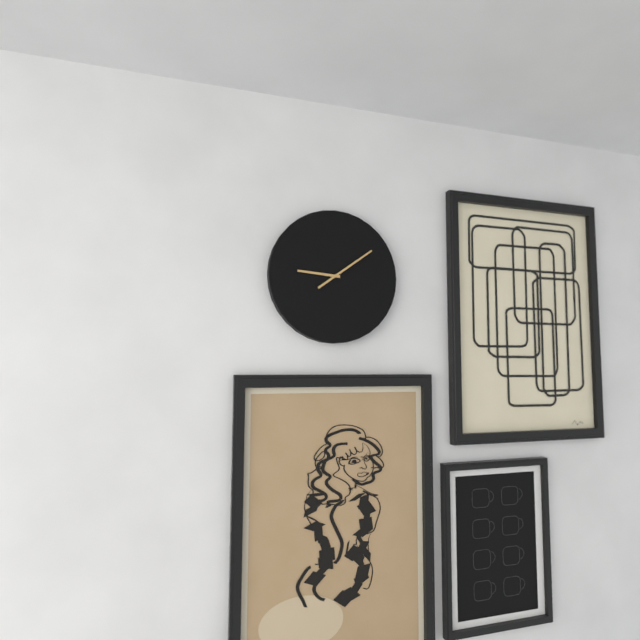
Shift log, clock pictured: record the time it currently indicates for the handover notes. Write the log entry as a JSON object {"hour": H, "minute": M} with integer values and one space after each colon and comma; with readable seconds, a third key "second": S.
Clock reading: {"hour": 9, "minute": 9}
